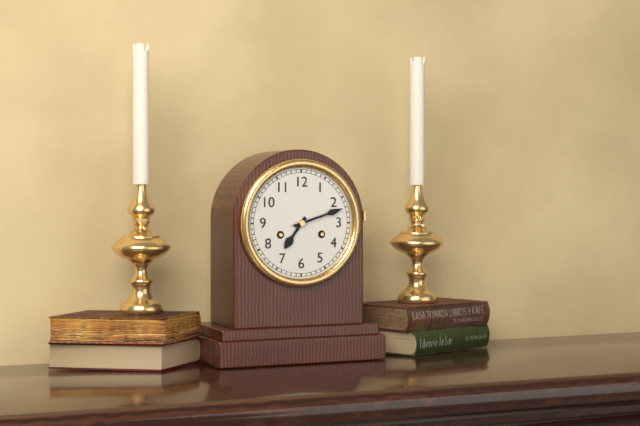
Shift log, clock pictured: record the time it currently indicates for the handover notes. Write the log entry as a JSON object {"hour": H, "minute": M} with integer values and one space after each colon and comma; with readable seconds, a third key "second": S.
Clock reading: {"hour": 7, "minute": 12}
